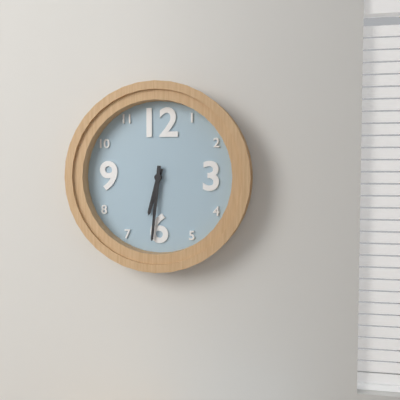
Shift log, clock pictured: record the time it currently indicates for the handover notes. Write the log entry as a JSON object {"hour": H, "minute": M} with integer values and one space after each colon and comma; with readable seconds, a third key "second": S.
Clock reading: {"hour": 6, "minute": 31}
